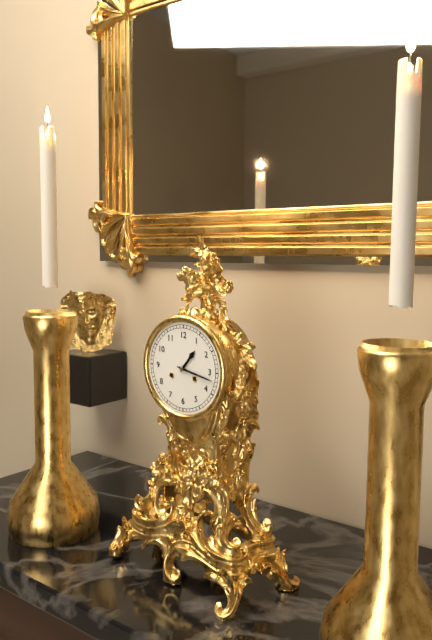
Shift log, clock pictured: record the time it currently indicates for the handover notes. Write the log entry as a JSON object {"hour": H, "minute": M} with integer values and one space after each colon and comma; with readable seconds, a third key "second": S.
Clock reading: {"hour": 1, "minute": 17}
